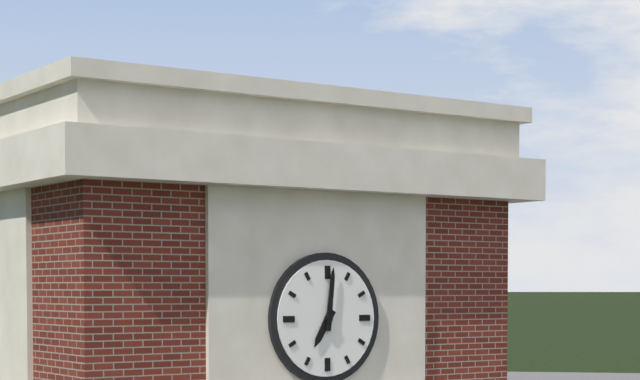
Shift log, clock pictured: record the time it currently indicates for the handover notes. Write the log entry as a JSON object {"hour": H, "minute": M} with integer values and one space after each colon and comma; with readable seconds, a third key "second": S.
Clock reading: {"hour": 7, "minute": 1}
